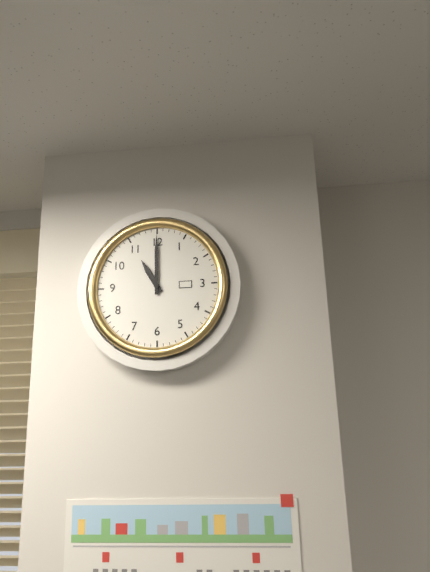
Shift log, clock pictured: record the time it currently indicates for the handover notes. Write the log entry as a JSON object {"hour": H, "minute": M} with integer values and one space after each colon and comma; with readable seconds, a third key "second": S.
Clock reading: {"hour": 11, "minute": 0}
